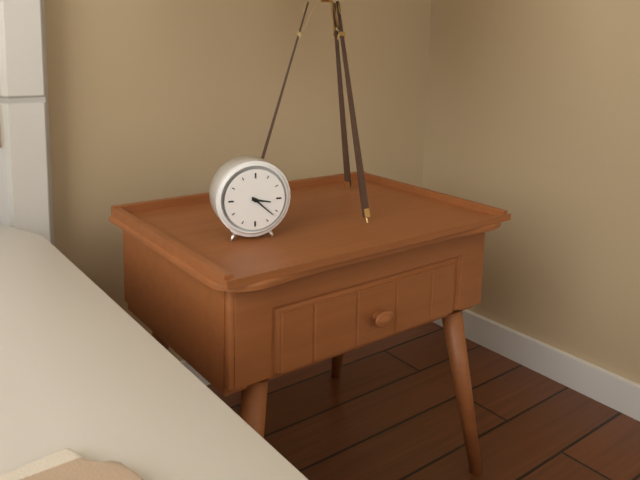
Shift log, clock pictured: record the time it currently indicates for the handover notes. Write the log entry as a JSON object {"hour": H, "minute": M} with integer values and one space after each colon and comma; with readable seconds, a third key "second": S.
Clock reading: {"hour": 3, "minute": 22}
